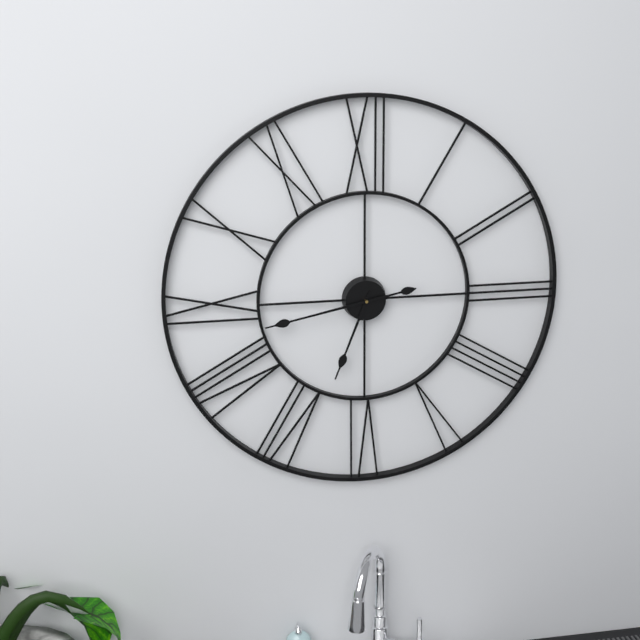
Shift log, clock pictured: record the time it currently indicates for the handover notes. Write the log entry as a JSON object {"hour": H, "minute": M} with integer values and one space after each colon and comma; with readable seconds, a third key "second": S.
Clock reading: {"hour": 6, "minute": 43}
